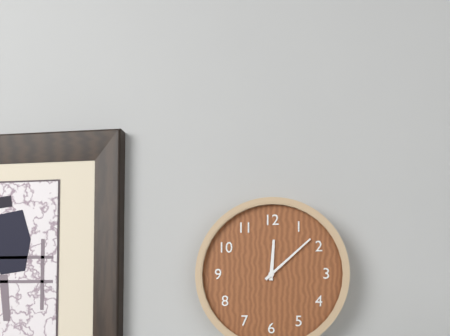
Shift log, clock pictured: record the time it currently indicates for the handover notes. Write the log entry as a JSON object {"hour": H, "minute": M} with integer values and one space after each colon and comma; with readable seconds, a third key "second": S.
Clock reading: {"hour": 12, "minute": 8}
